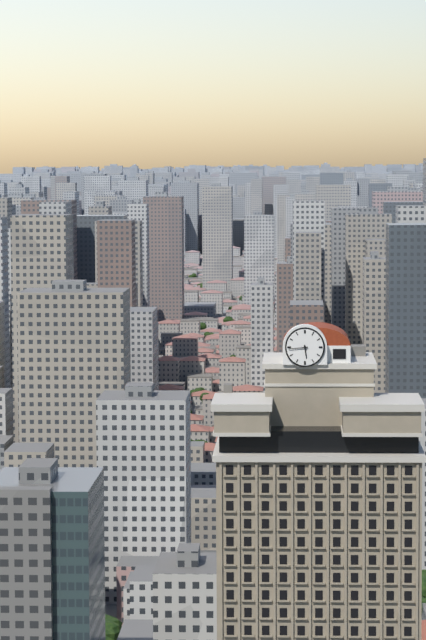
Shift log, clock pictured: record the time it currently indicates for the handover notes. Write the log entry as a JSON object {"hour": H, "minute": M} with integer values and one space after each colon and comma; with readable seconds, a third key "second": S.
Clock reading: {"hour": 5, "minute": 44}
